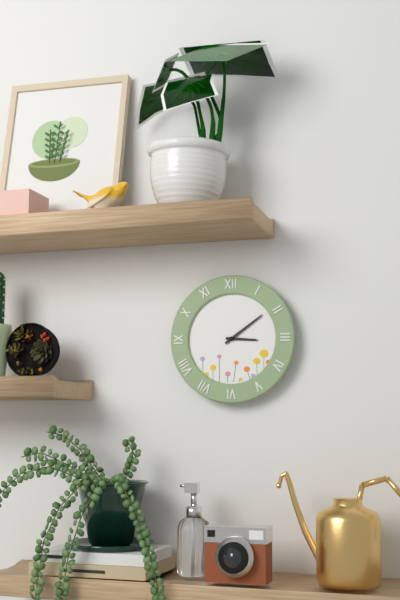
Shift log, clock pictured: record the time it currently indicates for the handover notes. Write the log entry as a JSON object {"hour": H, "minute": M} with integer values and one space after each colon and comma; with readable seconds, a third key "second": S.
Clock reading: {"hour": 3, "minute": 9}
